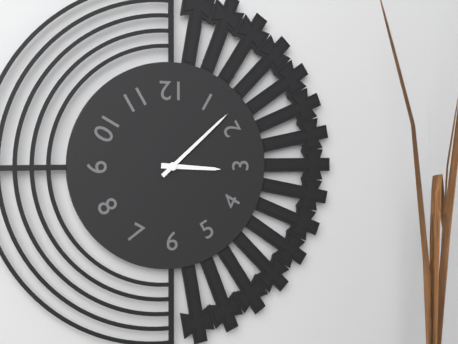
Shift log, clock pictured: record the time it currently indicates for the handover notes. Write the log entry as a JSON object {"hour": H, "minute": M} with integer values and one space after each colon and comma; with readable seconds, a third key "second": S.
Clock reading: {"hour": 3, "minute": 8}
